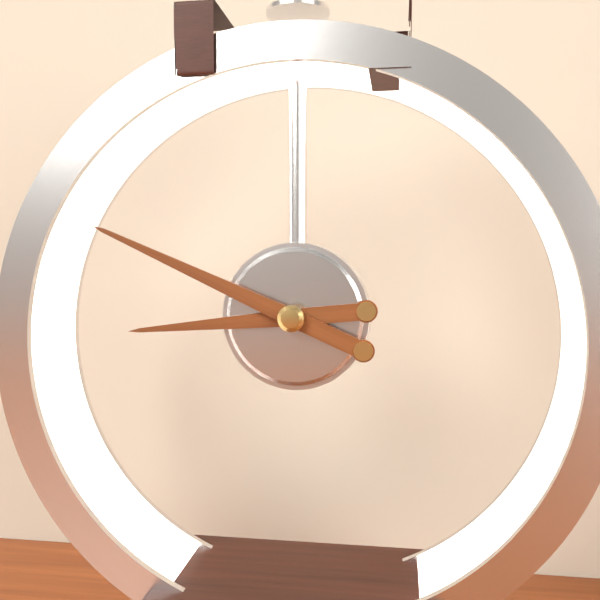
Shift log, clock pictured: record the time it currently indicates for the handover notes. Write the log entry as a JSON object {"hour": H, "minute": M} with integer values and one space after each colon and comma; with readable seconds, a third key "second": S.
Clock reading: {"hour": 8, "minute": 49}
